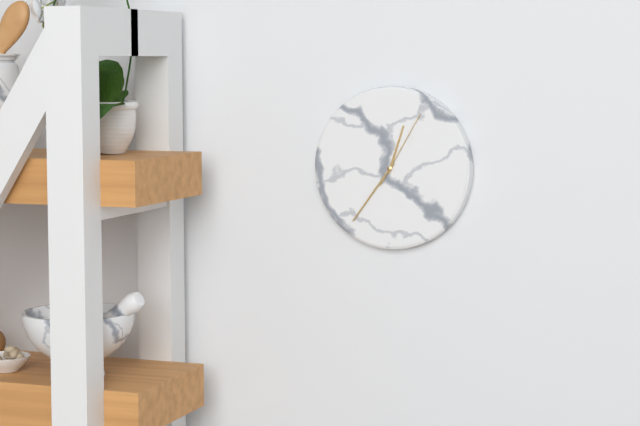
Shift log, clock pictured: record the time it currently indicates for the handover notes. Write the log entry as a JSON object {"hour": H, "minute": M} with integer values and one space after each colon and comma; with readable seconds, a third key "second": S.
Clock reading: {"hour": 12, "minute": 36, "second": 5}
